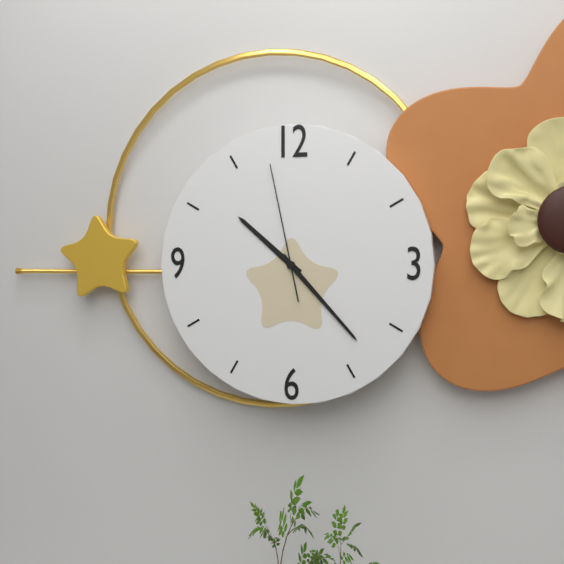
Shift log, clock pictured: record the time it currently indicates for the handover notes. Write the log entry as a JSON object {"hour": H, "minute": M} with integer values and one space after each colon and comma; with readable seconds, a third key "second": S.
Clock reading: {"hour": 10, "minute": 23, "second": 58}
